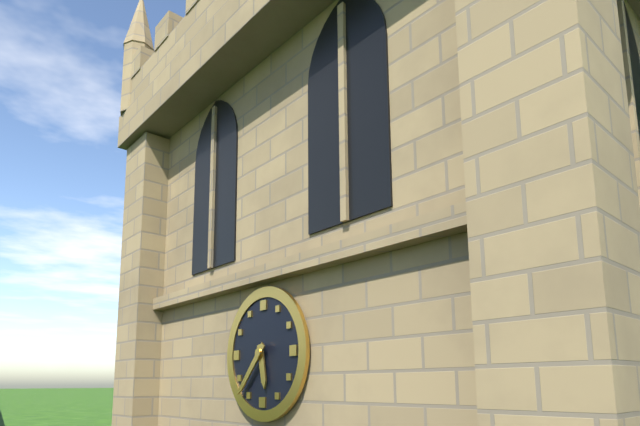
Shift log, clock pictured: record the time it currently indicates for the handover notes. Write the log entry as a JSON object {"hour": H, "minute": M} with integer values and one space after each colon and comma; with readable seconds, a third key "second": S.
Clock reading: {"hour": 5, "minute": 37}
